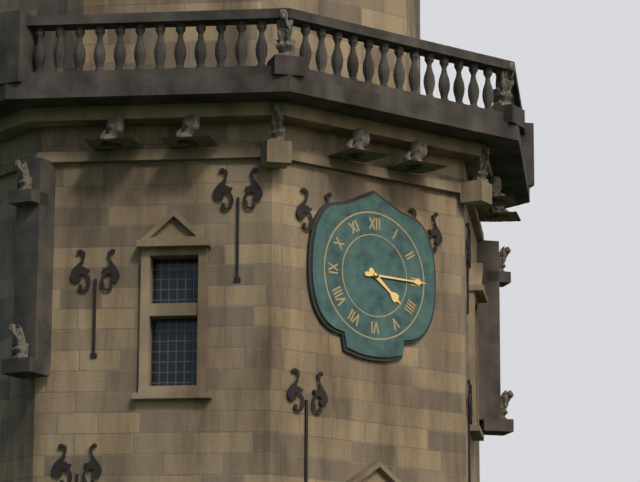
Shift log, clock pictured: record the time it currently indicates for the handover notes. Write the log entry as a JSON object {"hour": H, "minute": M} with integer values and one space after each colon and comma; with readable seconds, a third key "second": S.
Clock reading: {"hour": 4, "minute": 15}
